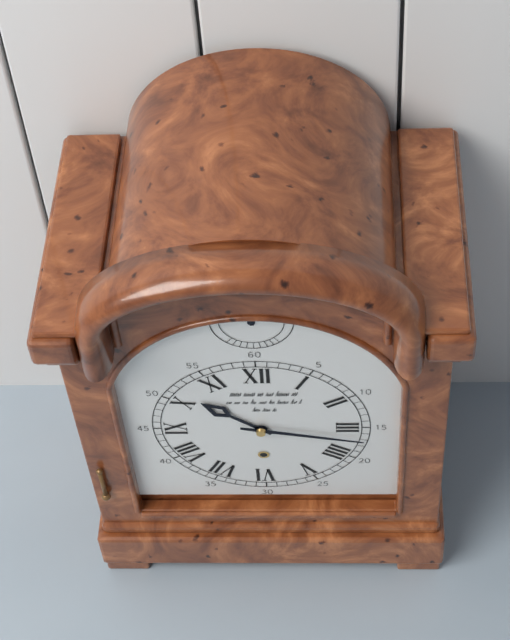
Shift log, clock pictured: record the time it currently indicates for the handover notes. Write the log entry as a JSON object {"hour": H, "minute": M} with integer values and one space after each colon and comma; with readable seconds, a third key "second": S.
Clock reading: {"hour": 10, "minute": 17}
